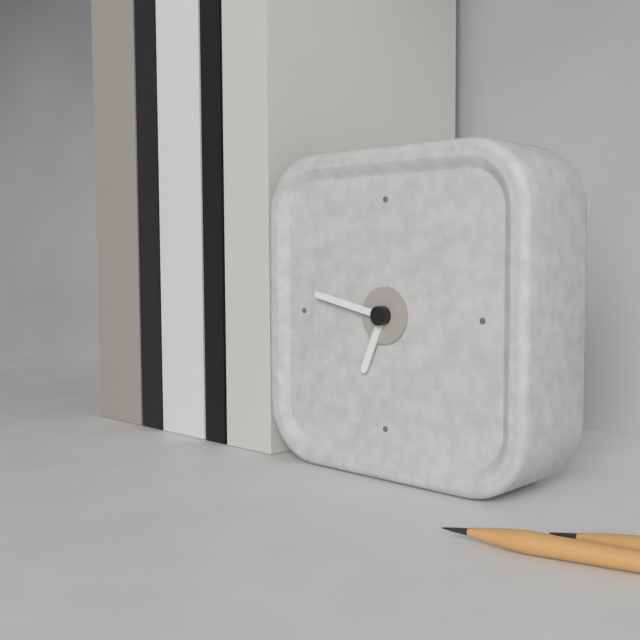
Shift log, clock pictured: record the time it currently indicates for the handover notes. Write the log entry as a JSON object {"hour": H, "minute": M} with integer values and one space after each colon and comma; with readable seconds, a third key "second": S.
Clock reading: {"hour": 6, "minute": 47}
